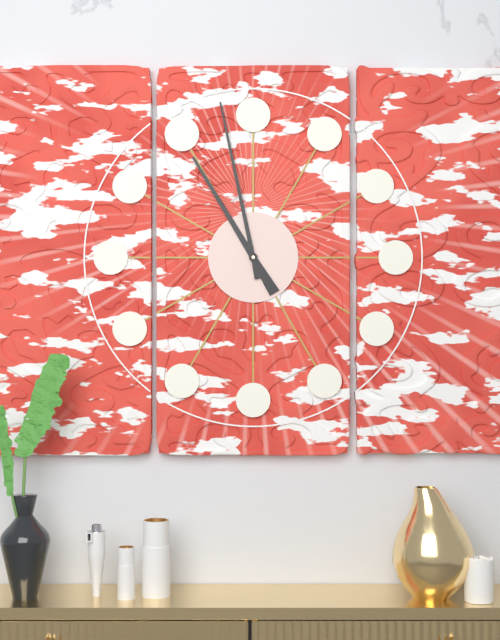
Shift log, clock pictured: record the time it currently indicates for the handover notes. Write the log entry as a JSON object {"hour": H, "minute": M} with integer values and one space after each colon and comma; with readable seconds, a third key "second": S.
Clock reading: {"hour": 10, "minute": 58}
